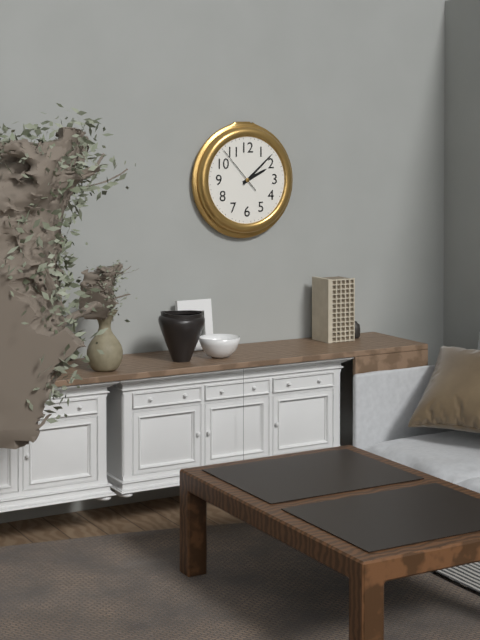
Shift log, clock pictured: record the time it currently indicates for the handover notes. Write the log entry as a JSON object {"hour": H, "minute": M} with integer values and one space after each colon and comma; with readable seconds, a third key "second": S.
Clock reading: {"hour": 2, "minute": 8}
